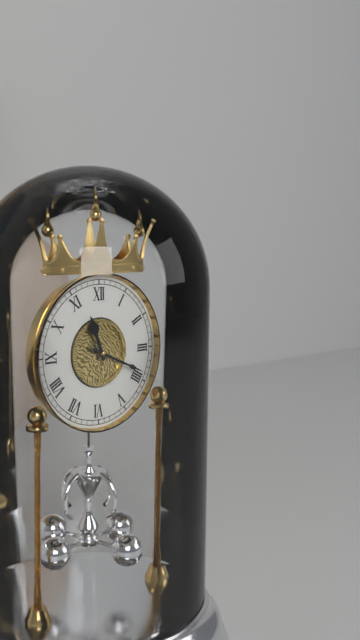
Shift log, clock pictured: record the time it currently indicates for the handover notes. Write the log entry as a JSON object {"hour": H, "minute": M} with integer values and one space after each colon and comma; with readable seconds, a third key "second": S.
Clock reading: {"hour": 11, "minute": 19}
